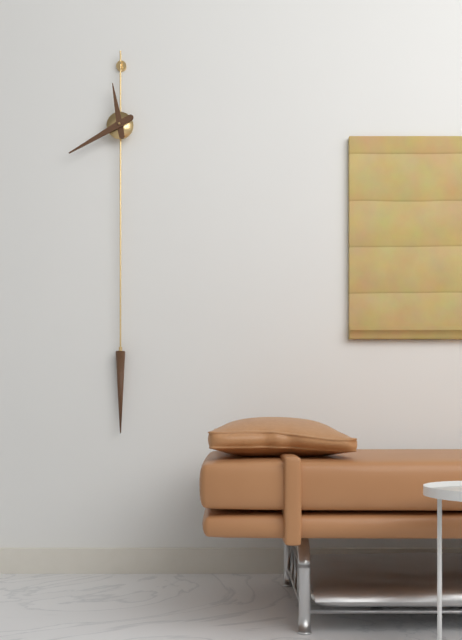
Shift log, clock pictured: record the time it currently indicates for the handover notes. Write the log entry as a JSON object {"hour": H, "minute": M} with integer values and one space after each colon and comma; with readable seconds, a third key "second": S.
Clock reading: {"hour": 11, "minute": 40}
